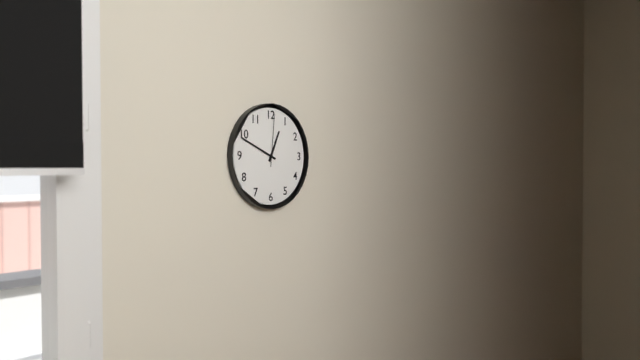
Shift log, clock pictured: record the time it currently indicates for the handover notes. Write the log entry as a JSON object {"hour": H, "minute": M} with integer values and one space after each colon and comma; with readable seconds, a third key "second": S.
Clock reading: {"hour": 12, "minute": 49, "second": 1}
